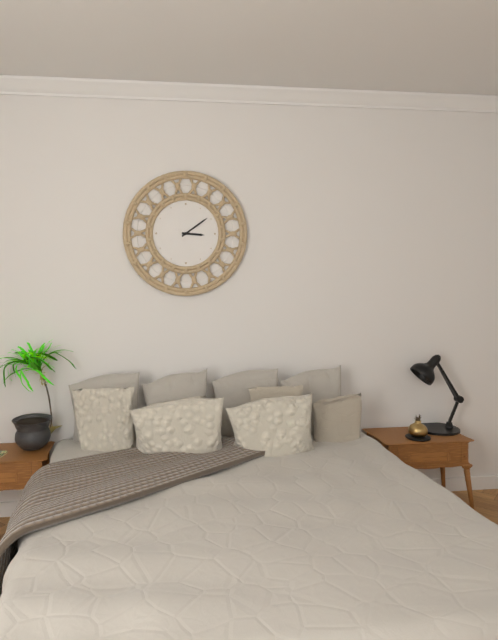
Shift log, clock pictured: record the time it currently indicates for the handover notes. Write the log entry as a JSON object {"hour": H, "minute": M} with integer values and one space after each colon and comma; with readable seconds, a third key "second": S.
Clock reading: {"hour": 3, "minute": 9}
